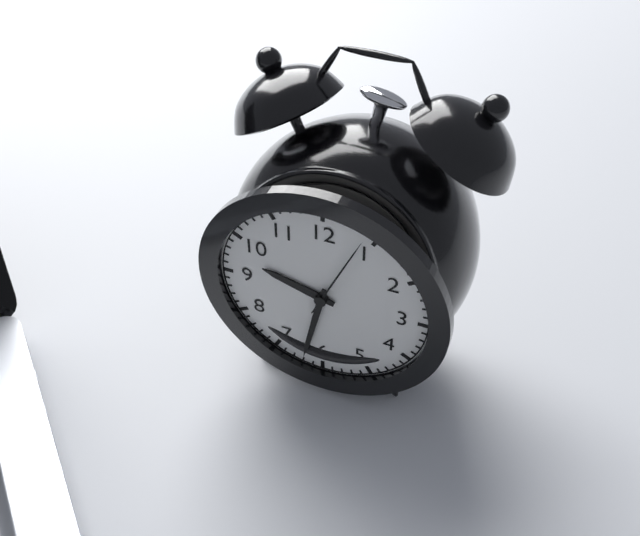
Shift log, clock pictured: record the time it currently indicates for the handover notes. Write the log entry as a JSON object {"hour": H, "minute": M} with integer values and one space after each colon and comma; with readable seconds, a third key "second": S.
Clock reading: {"hour": 9, "minute": 32, "second": 4}
